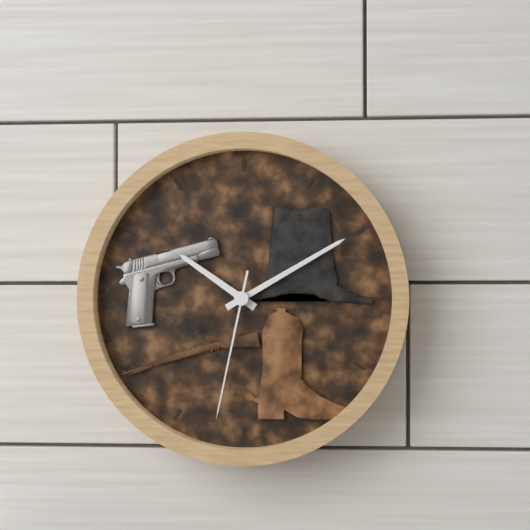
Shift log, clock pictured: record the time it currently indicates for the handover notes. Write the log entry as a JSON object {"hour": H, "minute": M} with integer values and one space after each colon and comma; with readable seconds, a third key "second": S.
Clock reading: {"hour": 10, "minute": 10, "second": 32}
